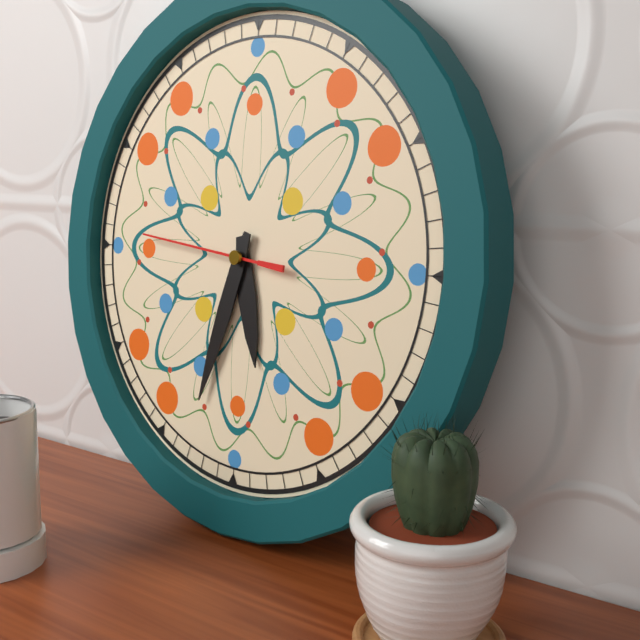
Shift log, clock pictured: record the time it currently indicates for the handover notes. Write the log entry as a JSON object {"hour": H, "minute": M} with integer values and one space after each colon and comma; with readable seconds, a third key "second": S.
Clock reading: {"hour": 5, "minute": 33, "second": 46}
